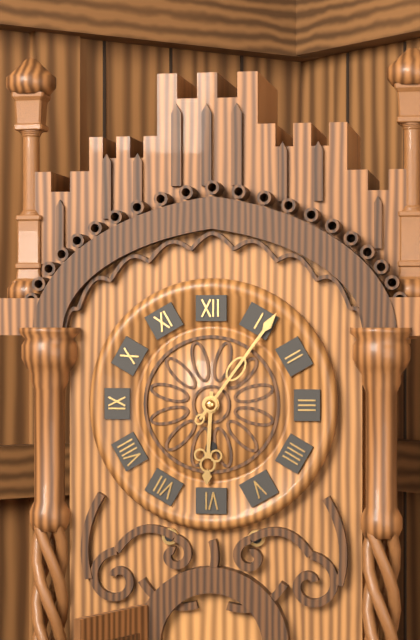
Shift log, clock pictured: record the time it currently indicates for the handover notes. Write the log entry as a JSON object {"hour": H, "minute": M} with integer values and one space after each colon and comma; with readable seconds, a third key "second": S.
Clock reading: {"hour": 6, "minute": 6}
